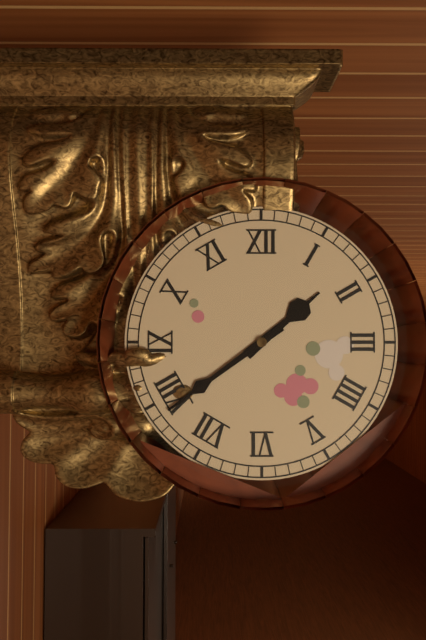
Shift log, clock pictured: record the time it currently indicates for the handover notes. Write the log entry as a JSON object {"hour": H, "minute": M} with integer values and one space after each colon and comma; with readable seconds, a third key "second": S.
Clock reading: {"hour": 1, "minute": 39}
